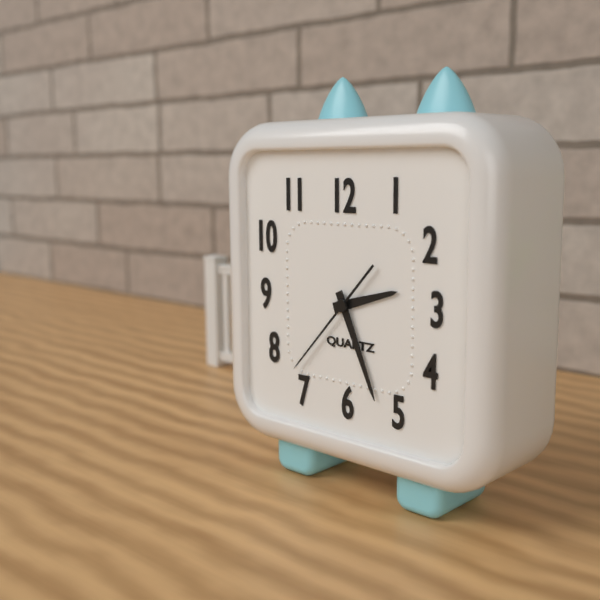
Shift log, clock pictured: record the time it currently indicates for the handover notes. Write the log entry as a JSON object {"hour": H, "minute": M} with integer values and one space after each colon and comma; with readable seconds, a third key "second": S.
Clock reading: {"hour": 2, "minute": 26, "second": 37}
